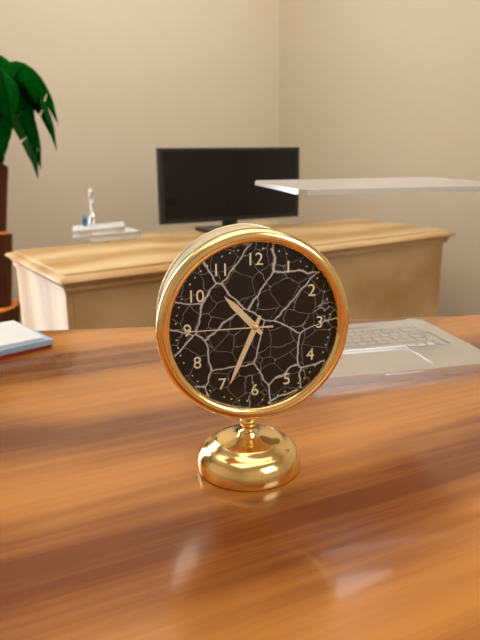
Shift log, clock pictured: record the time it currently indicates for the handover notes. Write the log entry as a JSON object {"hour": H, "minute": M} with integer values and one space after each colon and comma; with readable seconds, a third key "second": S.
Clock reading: {"hour": 10, "minute": 34, "second": 45}
